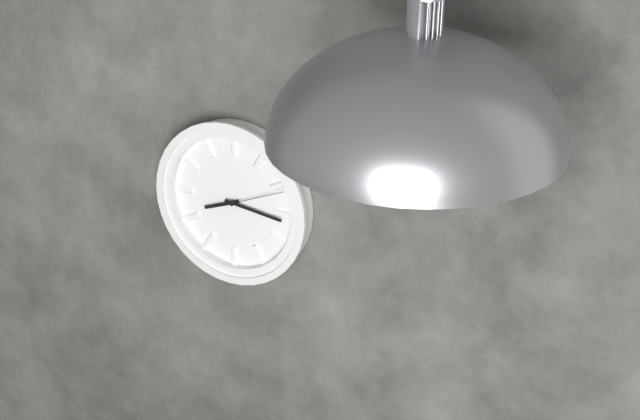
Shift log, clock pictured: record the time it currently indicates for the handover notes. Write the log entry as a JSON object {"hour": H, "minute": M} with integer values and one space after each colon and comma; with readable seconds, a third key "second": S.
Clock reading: {"hour": 8, "minute": 16, "second": 11}
